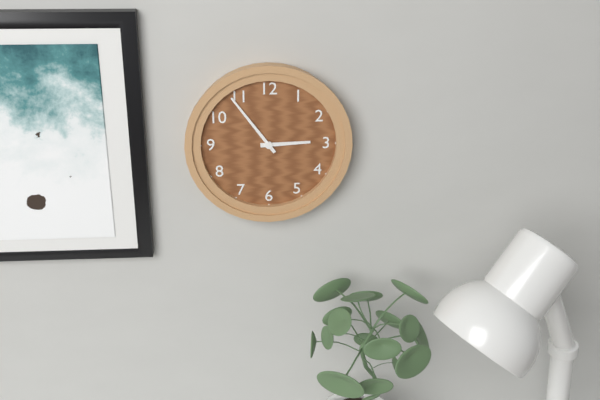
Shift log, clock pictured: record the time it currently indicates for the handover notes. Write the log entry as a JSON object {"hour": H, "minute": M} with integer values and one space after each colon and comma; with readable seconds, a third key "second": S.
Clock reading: {"hour": 2, "minute": 54}
